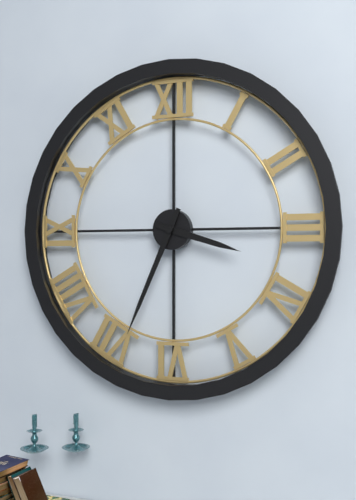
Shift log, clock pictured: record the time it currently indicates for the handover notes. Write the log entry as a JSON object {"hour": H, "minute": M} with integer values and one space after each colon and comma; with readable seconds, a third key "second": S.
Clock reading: {"hour": 3, "minute": 34}
